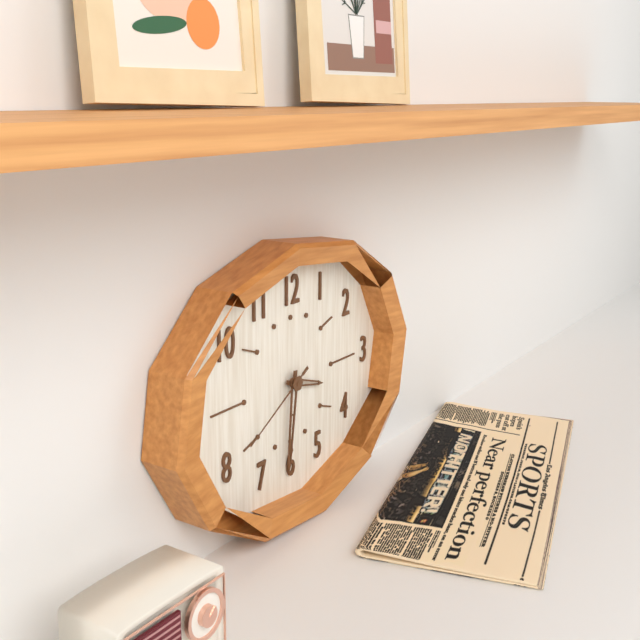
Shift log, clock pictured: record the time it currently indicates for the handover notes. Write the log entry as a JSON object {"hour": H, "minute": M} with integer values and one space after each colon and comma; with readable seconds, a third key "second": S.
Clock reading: {"hour": 3, "minute": 31, "second": 40}
